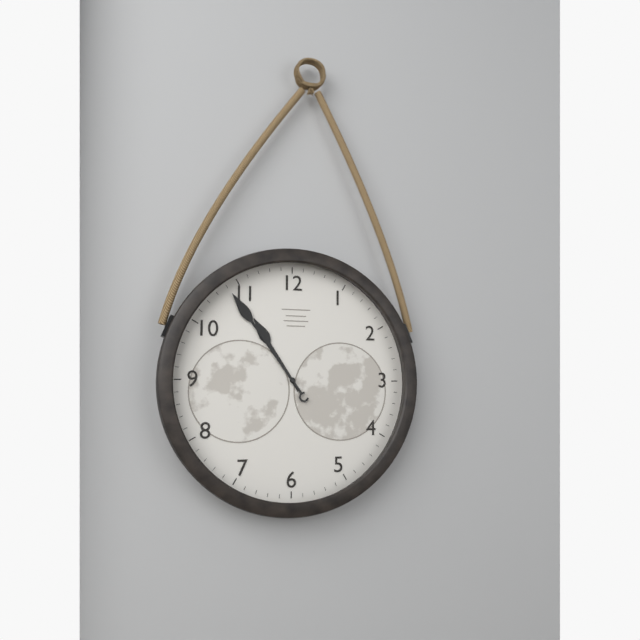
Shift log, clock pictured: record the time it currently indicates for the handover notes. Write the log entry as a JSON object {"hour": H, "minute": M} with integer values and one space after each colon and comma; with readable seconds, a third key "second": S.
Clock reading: {"hour": 10, "minute": 54}
